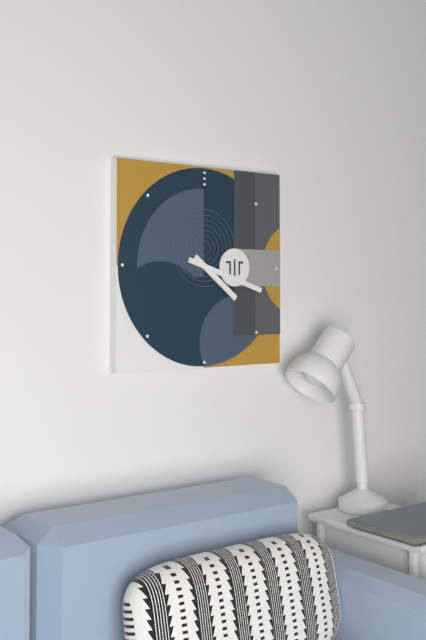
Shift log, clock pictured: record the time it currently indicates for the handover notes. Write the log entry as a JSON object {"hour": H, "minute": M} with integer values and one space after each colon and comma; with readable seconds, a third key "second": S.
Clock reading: {"hour": 4, "minute": 18}
